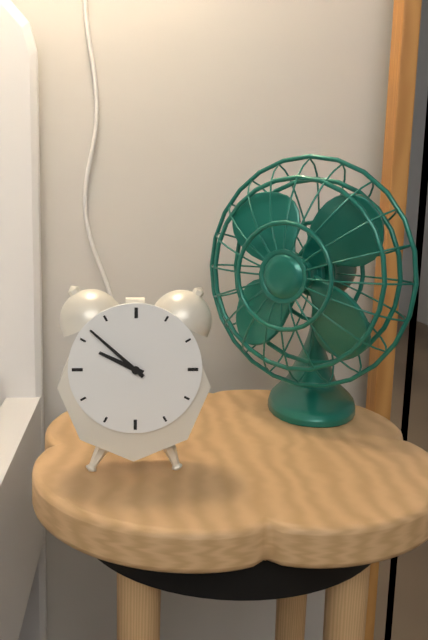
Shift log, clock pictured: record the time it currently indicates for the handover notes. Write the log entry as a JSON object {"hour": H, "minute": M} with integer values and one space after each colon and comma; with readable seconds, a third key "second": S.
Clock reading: {"hour": 9, "minute": 52}
